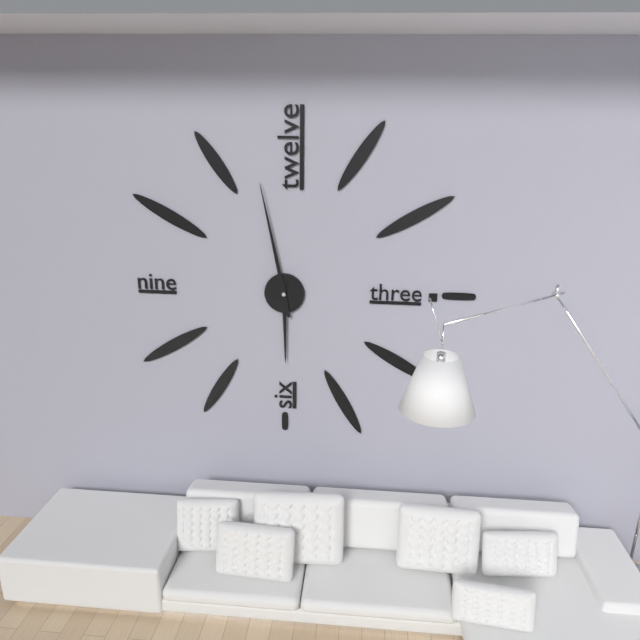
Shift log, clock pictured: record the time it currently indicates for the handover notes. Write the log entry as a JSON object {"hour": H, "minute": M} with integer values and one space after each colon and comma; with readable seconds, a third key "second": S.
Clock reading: {"hour": 5, "minute": 58}
